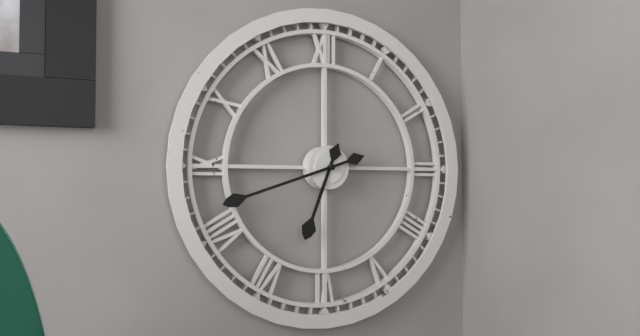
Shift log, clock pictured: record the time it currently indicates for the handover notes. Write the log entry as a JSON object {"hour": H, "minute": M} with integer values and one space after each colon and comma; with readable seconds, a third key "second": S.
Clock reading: {"hour": 6, "minute": 42}
